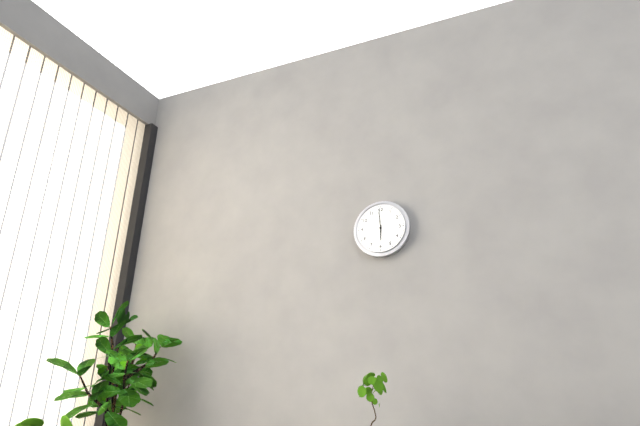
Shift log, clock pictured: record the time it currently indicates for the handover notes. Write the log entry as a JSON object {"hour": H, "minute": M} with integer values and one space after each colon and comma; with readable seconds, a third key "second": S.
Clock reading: {"hour": 5, "minute": 59}
